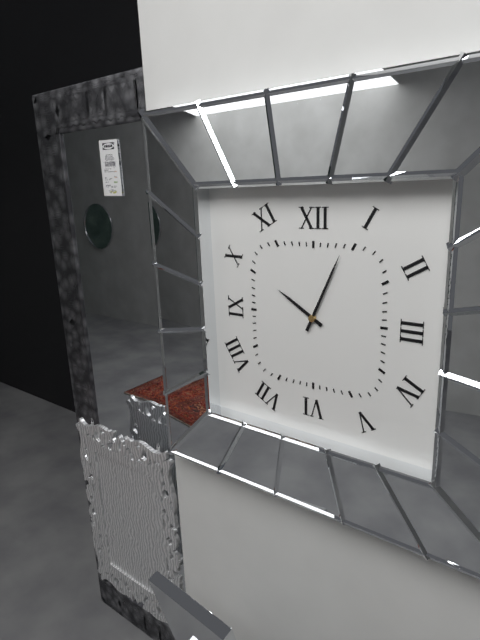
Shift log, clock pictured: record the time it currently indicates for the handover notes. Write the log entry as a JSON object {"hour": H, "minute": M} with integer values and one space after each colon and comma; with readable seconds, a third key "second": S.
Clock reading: {"hour": 10, "minute": 4}
